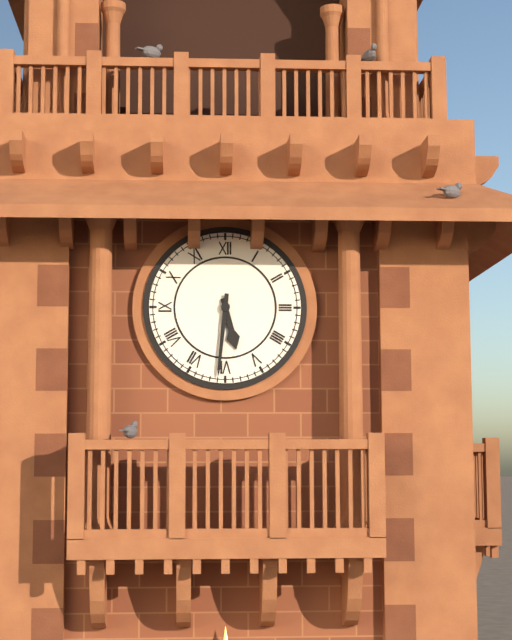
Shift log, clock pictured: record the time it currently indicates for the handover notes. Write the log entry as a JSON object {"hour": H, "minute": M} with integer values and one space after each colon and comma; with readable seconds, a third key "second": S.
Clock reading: {"hour": 5, "minute": 31}
